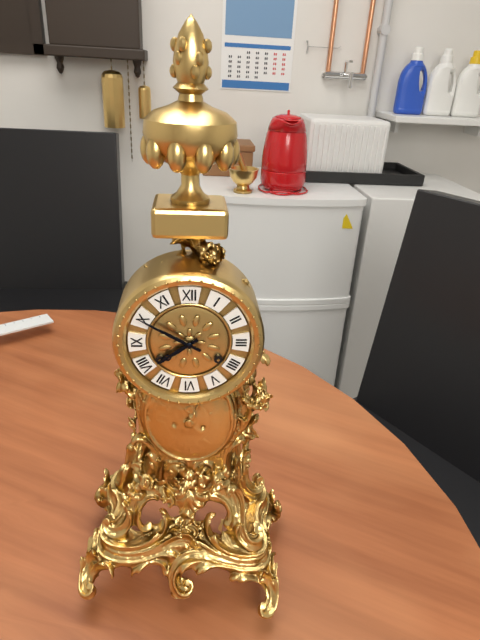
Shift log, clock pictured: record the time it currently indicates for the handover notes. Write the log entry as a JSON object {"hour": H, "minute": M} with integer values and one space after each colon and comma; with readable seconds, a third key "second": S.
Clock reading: {"hour": 7, "minute": 50}
